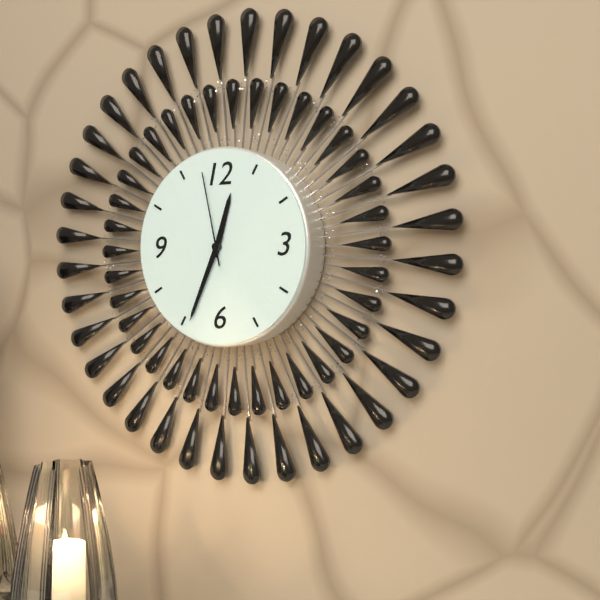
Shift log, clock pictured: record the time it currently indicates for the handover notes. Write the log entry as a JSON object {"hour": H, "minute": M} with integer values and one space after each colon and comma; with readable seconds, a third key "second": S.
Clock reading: {"hour": 12, "minute": 34, "second": 58}
